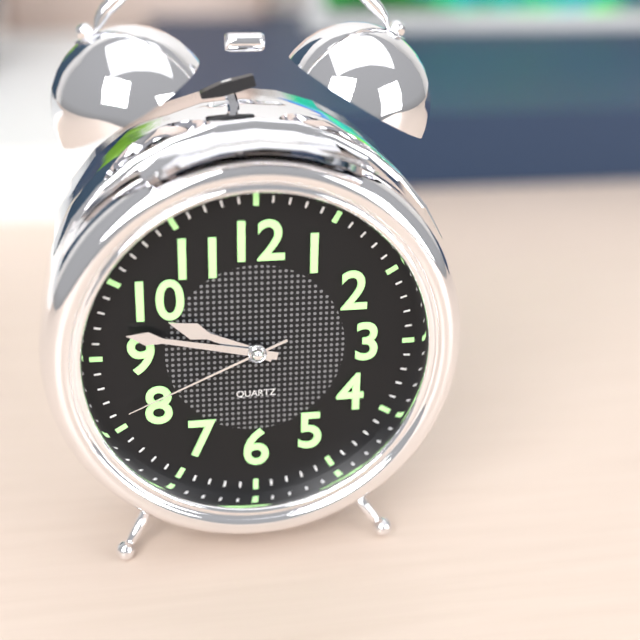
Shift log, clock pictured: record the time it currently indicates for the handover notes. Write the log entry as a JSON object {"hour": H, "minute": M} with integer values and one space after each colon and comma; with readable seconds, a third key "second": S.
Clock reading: {"hour": 9, "minute": 47, "second": 41}
